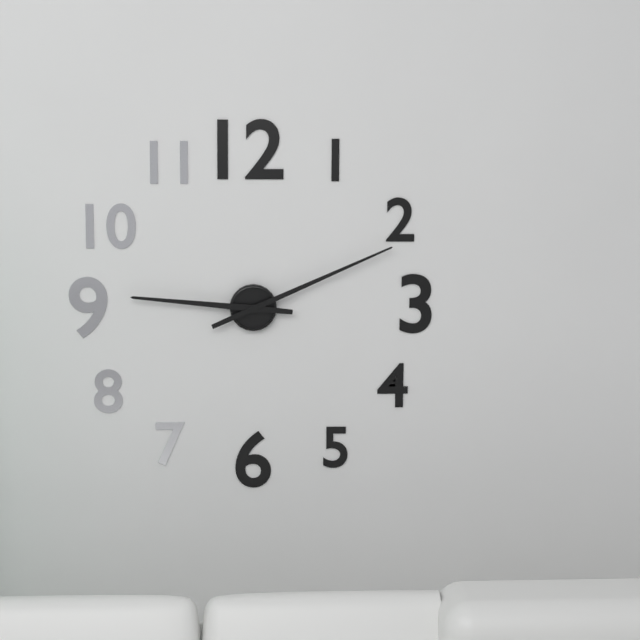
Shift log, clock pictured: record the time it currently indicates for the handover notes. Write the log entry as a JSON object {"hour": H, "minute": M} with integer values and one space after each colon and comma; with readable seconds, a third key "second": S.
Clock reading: {"hour": 9, "minute": 11}
